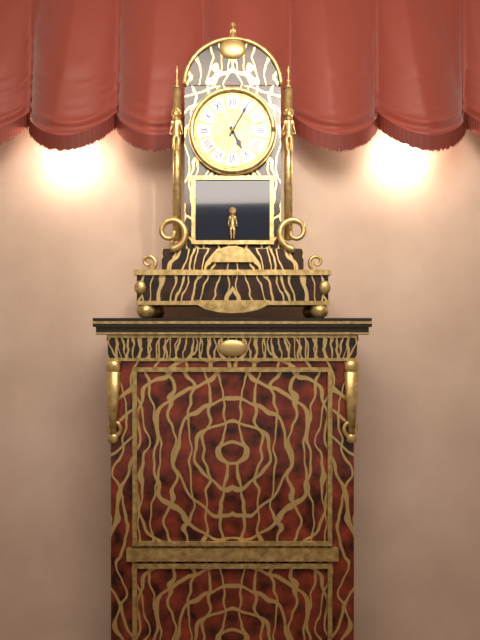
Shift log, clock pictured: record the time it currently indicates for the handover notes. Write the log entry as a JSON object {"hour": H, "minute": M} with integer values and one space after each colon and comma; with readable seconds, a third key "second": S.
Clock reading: {"hour": 5, "minute": 5}
